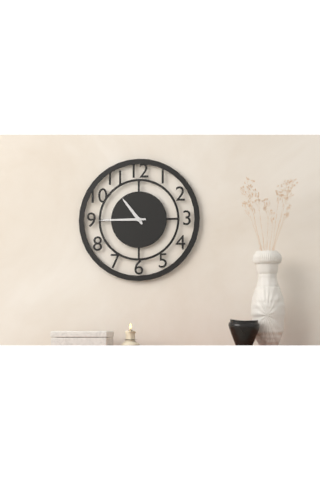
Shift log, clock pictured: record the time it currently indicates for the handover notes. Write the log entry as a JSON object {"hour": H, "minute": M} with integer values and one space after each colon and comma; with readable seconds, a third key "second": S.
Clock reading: {"hour": 10, "minute": 45}
